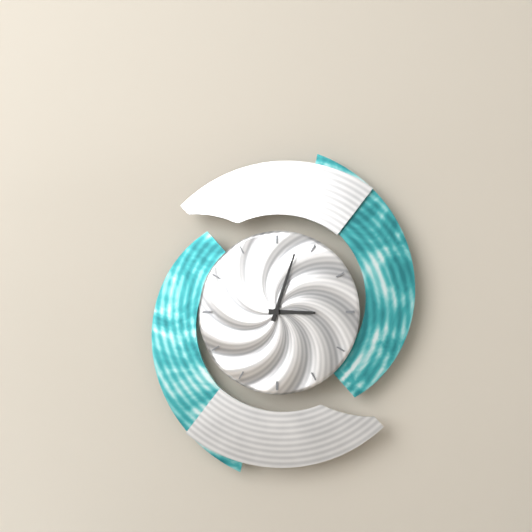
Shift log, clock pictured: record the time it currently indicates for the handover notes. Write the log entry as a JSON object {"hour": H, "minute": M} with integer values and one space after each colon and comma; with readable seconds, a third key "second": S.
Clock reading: {"hour": 3, "minute": 3}
